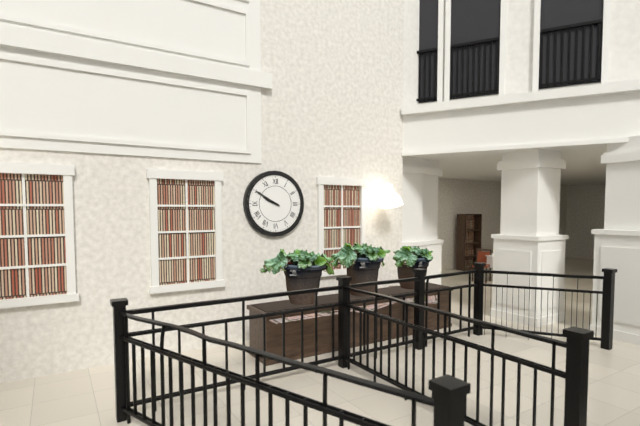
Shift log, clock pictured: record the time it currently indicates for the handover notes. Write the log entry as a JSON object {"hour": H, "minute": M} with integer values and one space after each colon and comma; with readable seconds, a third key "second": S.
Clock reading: {"hour": 9, "minute": 50}
